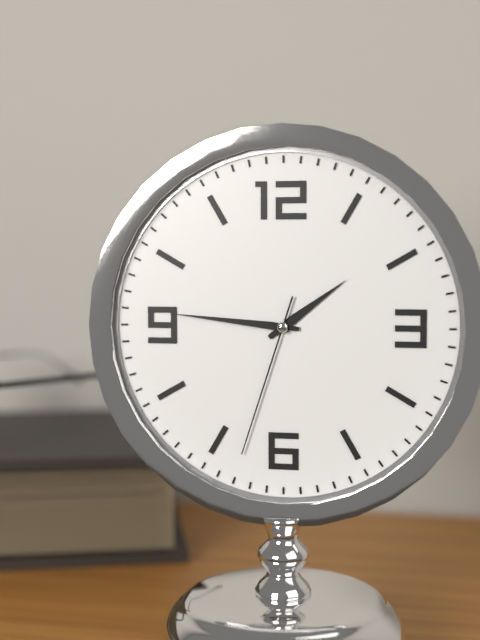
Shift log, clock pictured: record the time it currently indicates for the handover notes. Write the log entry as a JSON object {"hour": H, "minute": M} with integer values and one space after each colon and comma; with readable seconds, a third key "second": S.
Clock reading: {"hour": 1, "minute": 46, "second": 33}
